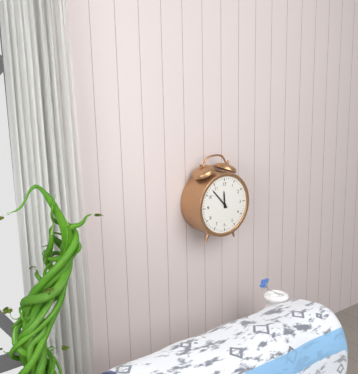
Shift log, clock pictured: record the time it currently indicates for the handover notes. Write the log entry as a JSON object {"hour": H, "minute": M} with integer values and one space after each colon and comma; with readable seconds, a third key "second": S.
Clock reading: {"hour": 11, "minute": 53}
